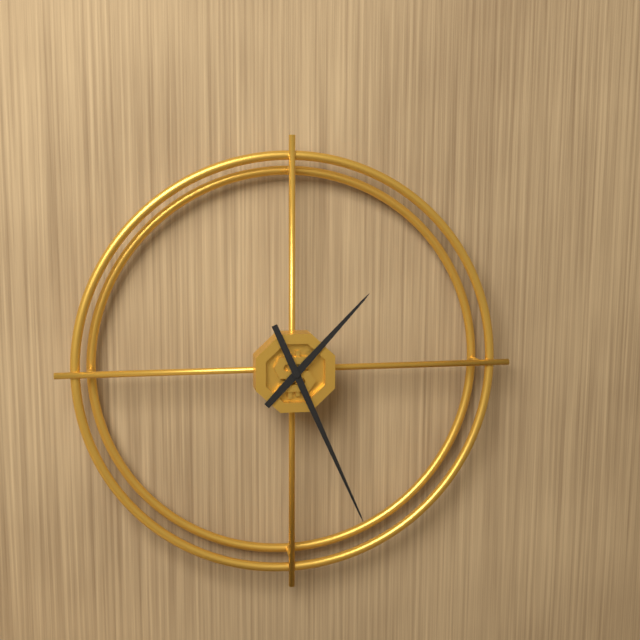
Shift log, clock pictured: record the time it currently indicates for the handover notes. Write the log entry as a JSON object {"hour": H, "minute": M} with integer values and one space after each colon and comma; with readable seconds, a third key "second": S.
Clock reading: {"hour": 1, "minute": 26}
